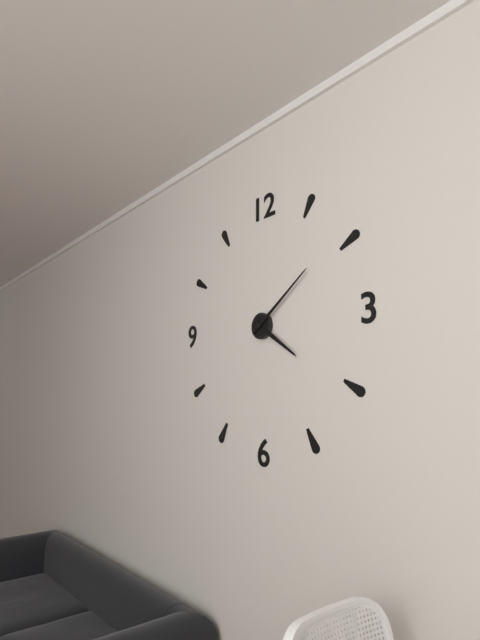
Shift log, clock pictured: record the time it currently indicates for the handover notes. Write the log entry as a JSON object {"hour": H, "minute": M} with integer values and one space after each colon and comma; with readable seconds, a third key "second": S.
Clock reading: {"hour": 4, "minute": 9}
